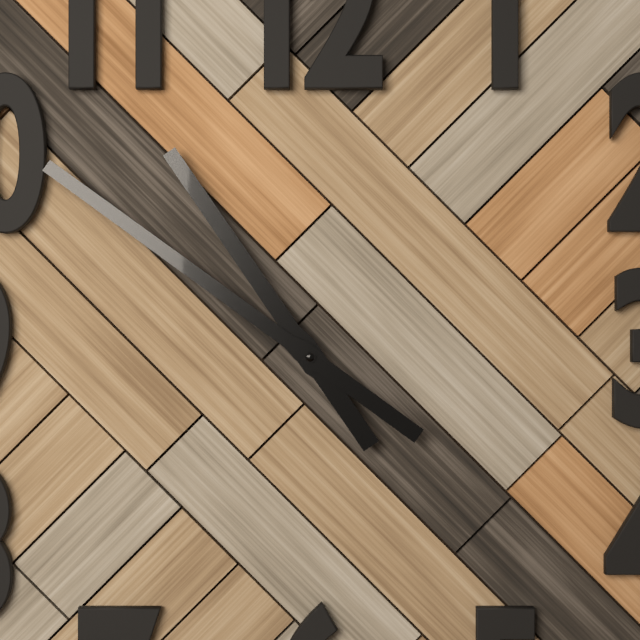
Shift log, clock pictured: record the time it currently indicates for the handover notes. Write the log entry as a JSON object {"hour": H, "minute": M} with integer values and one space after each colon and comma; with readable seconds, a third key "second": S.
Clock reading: {"hour": 10, "minute": 51}
